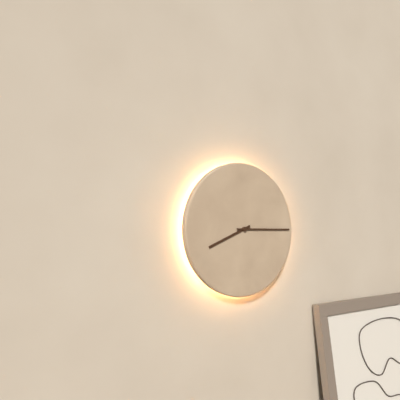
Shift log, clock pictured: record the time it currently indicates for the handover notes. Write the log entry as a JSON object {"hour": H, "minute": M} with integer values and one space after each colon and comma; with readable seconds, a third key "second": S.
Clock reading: {"hour": 8, "minute": 15}
